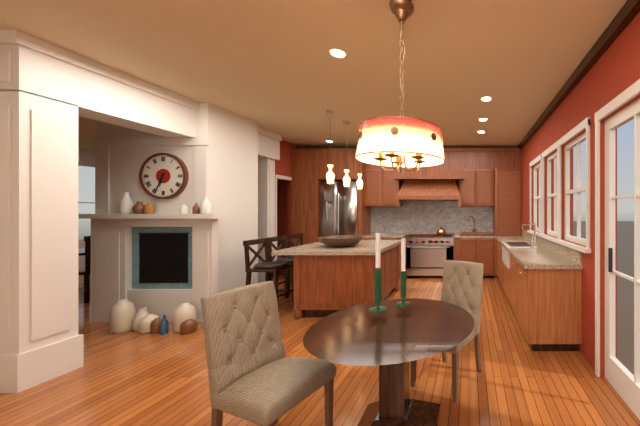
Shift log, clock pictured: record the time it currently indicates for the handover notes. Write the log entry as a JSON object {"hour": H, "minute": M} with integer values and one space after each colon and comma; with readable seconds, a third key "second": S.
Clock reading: {"hour": 6, "minute": 34}
